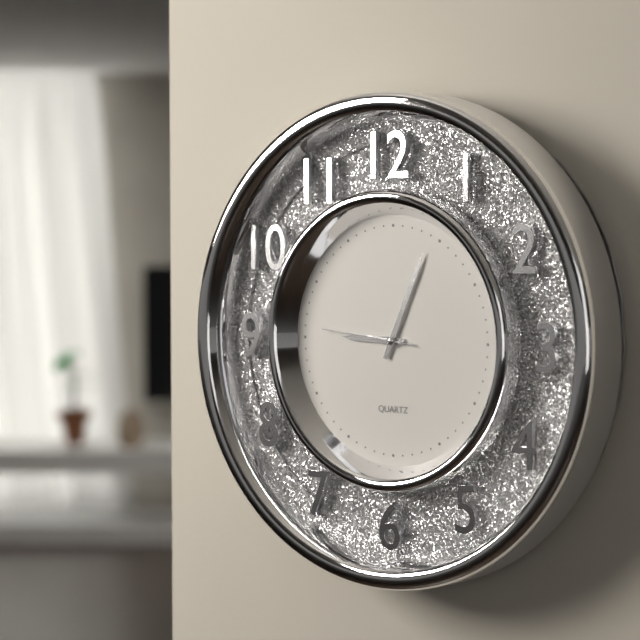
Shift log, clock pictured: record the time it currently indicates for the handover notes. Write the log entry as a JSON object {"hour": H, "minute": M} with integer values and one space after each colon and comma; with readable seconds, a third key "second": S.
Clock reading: {"hour": 9, "minute": 4, "second": 46}
